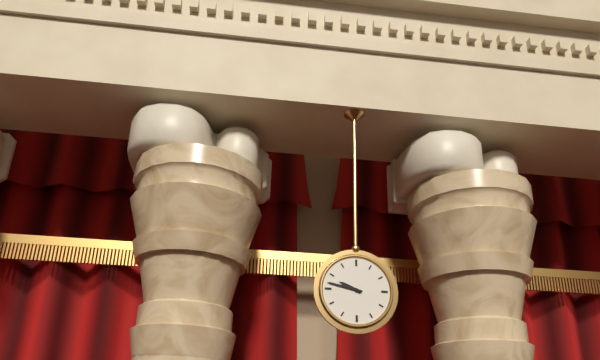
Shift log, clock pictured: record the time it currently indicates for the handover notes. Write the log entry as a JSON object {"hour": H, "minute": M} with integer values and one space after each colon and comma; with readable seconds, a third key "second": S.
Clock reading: {"hour": 9, "minute": 47}
